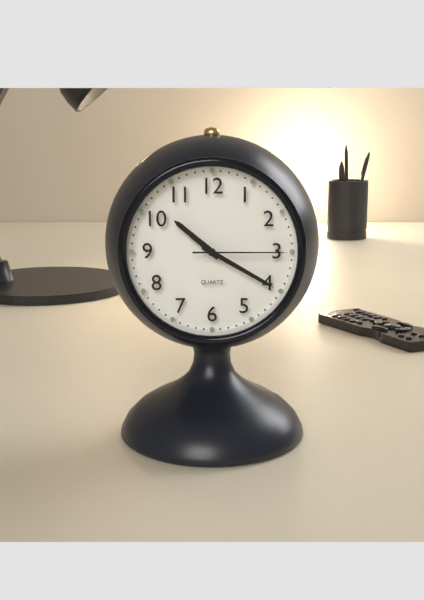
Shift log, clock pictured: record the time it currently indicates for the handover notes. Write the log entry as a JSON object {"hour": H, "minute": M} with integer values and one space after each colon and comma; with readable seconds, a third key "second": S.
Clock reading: {"hour": 10, "minute": 20, "second": 15}
